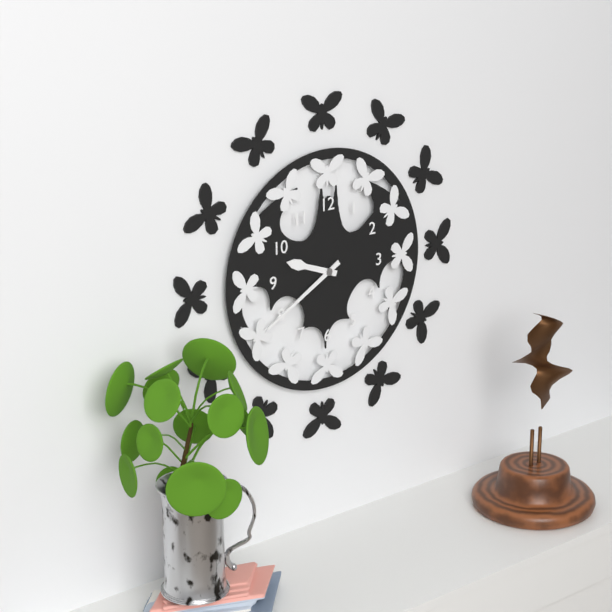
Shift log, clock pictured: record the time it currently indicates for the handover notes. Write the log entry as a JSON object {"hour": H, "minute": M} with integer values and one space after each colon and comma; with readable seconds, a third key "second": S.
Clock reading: {"hour": 9, "minute": 40}
